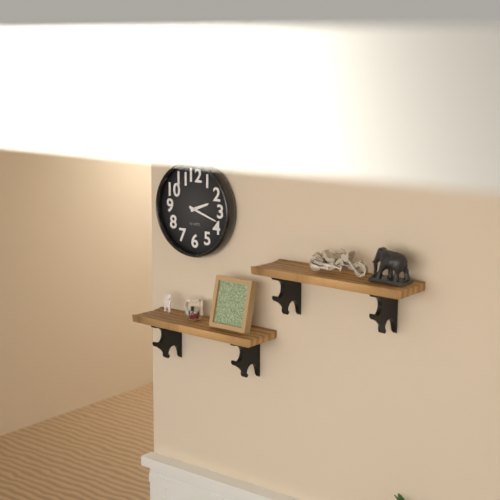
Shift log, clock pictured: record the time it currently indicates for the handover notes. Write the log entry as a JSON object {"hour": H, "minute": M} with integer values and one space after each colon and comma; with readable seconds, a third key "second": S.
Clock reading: {"hour": 2, "minute": 18}
